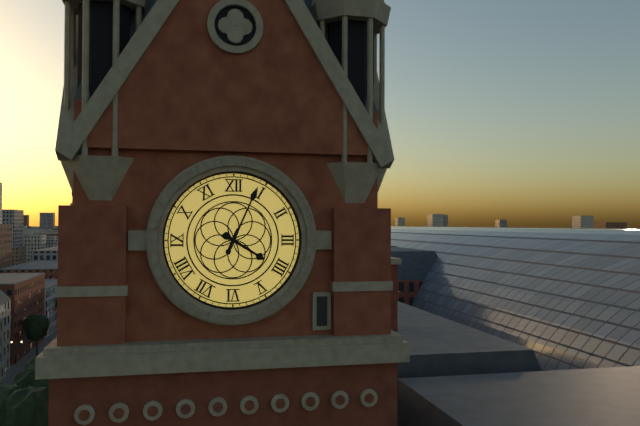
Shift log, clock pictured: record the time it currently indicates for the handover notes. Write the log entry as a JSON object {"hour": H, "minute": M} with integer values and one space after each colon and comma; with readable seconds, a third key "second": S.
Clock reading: {"hour": 4, "minute": 4}
